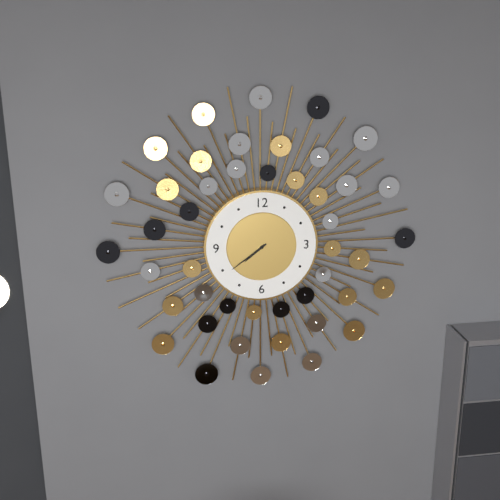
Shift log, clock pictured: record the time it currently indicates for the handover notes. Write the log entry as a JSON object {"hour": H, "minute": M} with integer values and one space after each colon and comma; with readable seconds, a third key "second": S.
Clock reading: {"hour": 7, "minute": 39}
